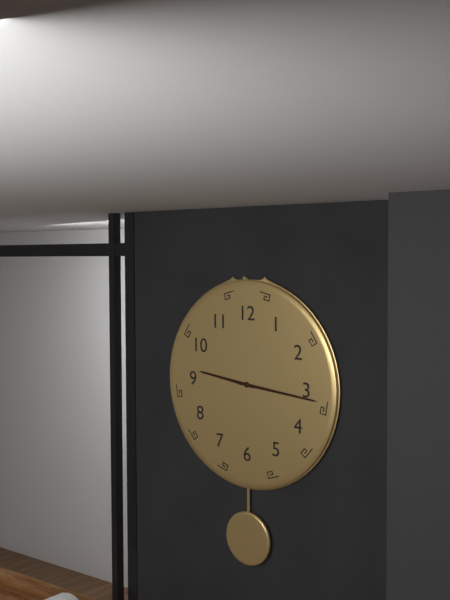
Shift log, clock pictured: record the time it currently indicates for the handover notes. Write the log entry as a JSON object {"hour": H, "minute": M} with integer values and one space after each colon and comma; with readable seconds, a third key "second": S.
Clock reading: {"hour": 9, "minute": 16}
